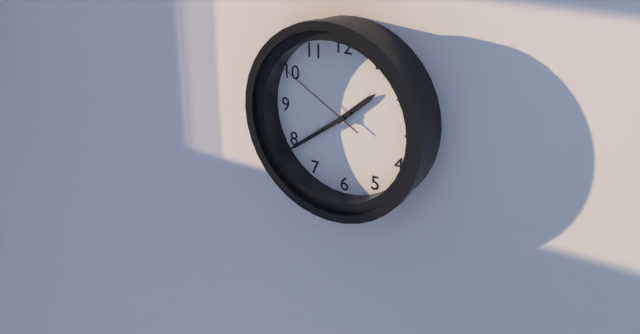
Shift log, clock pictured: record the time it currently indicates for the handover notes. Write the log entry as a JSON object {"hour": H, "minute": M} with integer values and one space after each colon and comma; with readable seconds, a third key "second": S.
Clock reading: {"hour": 1, "minute": 39, "second": 50}
